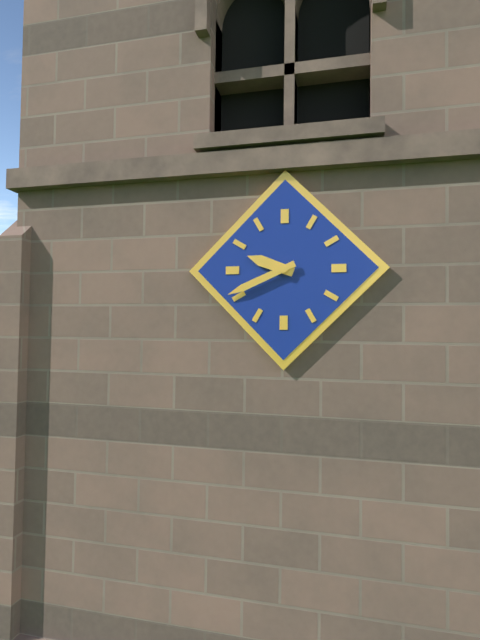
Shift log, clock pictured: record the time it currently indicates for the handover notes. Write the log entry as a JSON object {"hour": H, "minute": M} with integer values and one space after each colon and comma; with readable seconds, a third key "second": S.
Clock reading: {"hour": 9, "minute": 41}
